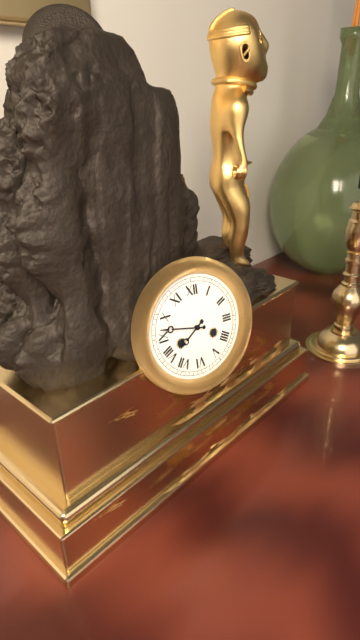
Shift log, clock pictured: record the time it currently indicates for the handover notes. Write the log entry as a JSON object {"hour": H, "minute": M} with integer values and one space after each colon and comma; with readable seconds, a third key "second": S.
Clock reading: {"hour": 7, "minute": 47}
